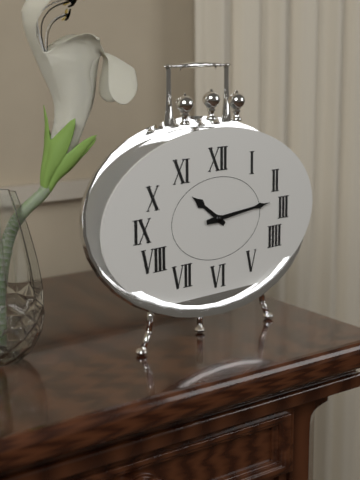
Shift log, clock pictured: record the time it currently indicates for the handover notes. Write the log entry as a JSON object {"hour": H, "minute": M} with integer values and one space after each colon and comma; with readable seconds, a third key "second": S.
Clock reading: {"hour": 10, "minute": 14}
